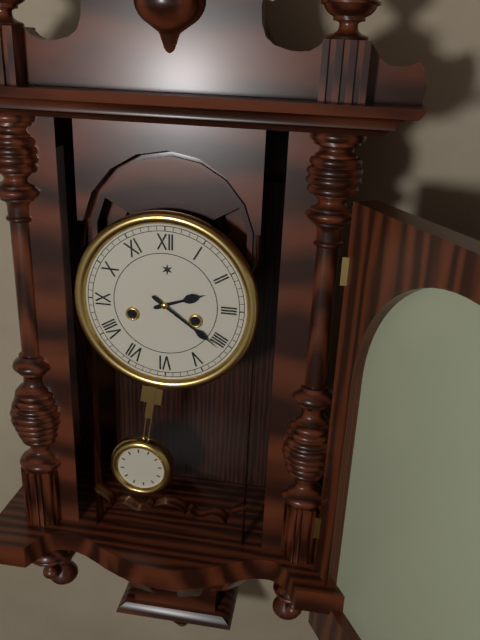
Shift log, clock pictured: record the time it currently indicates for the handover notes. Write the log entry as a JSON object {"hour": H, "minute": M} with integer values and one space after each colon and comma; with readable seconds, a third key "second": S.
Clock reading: {"hour": 2, "minute": 21}
